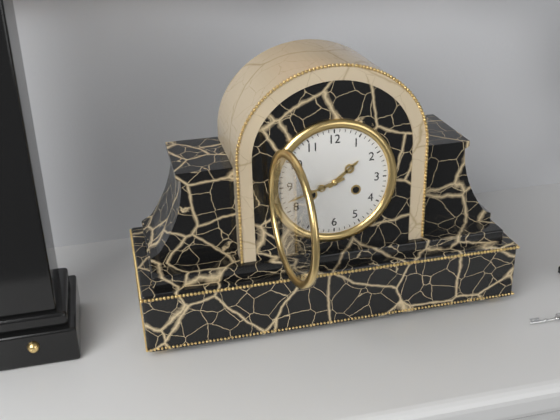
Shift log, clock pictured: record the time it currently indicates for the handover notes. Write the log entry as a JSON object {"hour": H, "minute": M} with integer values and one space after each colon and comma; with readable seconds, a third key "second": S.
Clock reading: {"hour": 1, "minute": 42}
